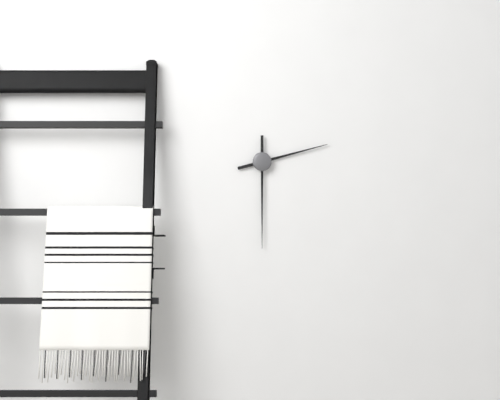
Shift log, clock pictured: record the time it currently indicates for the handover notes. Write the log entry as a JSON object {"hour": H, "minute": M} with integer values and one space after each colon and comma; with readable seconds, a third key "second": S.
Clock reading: {"hour": 2, "minute": 30}
